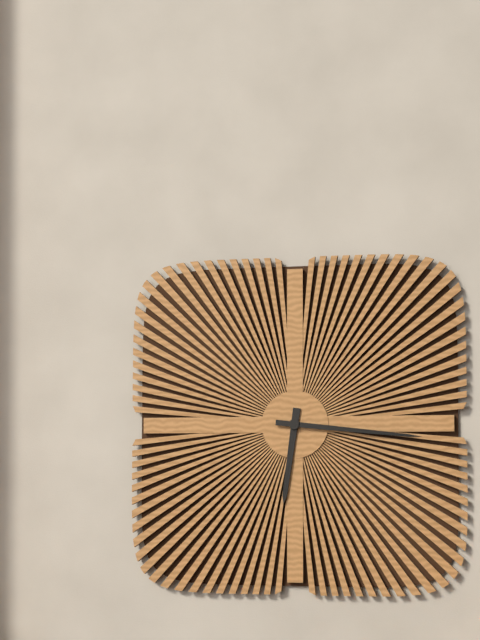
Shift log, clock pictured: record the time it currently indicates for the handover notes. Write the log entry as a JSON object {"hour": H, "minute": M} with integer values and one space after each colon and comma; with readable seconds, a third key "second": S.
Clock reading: {"hour": 6, "minute": 16}
